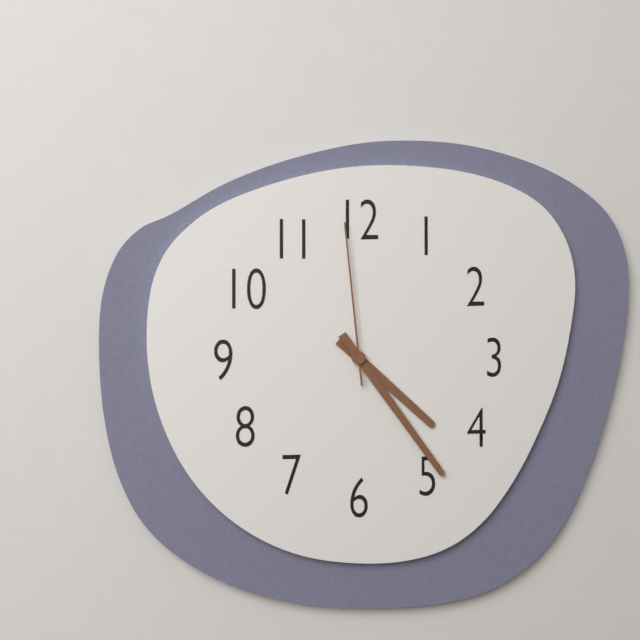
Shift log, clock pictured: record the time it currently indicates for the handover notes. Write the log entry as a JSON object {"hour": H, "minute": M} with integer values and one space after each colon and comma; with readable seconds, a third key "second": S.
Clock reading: {"hour": 4, "minute": 24, "second": 59}
